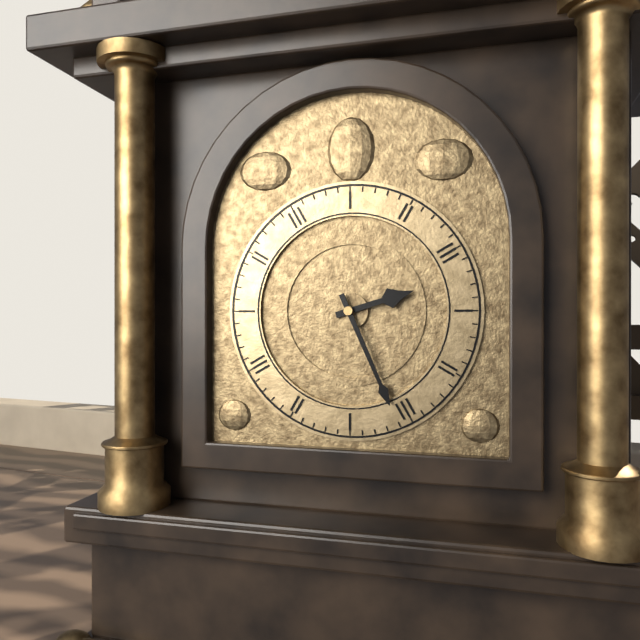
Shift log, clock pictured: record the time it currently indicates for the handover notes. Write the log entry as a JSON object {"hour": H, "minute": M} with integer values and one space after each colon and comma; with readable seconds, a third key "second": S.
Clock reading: {"hour": 2, "minute": 26}
